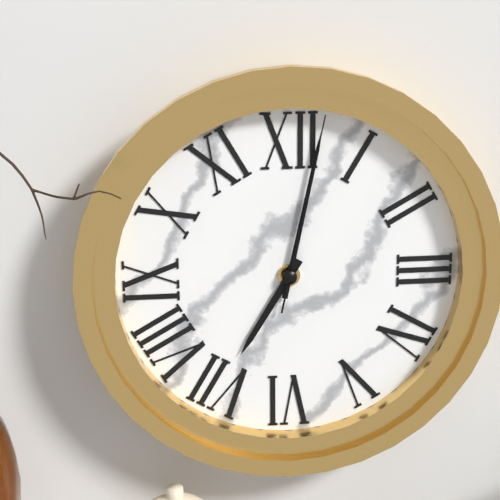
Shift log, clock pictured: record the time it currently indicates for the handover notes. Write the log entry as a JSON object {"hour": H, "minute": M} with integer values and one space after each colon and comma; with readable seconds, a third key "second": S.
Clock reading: {"hour": 7, "minute": 2, "second": 2}
